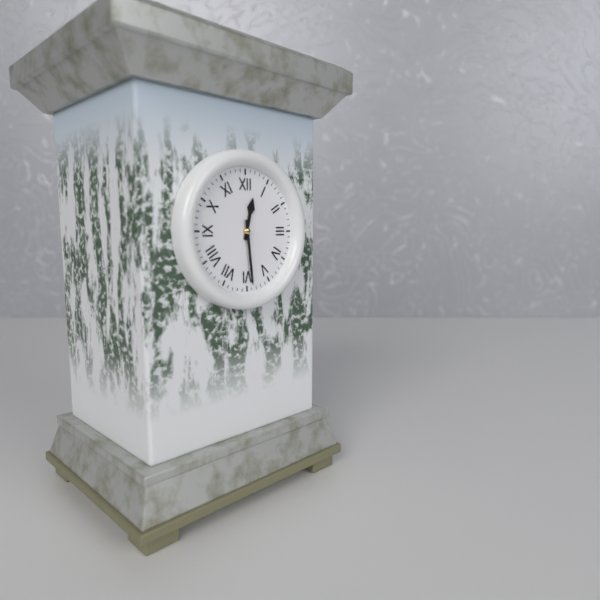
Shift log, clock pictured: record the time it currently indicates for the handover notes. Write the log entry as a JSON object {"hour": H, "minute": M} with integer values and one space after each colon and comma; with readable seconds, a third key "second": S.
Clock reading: {"hour": 12, "minute": 29}
